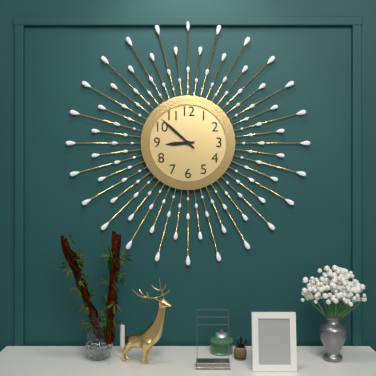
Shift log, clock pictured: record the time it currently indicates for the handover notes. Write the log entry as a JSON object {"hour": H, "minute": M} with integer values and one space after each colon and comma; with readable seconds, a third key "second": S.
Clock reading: {"hour": 8, "minute": 52}
